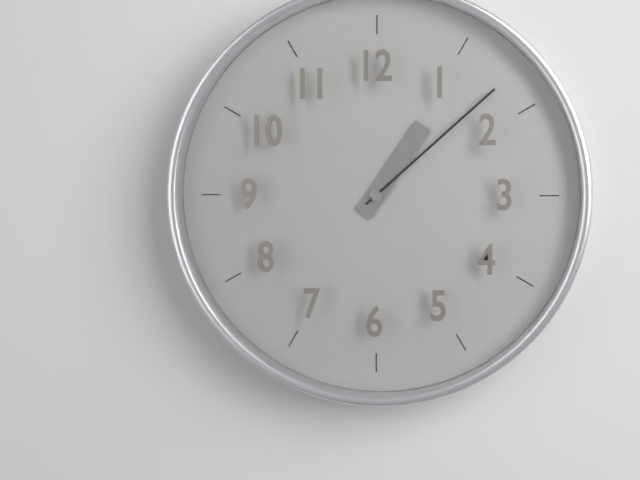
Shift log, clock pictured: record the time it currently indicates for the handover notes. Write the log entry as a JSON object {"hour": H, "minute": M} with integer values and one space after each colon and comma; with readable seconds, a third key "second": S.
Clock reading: {"hour": 1, "minute": 8}
